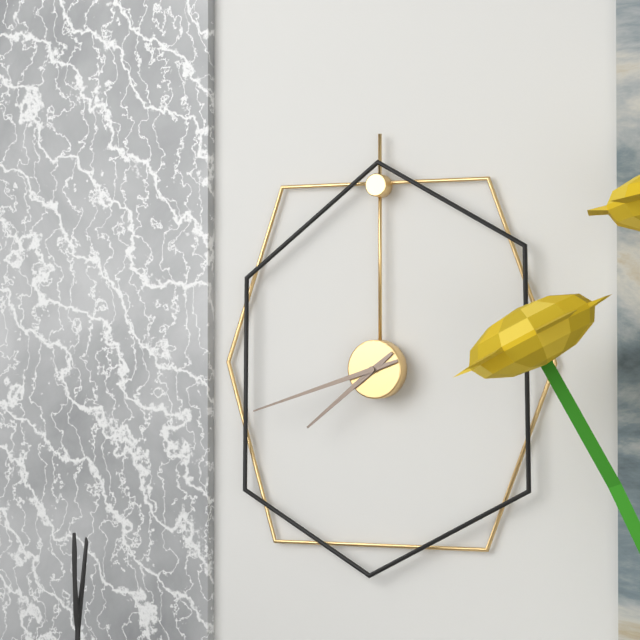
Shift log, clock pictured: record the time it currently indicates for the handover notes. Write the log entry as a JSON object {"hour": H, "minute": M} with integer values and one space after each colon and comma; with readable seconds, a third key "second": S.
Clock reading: {"hour": 7, "minute": 42}
